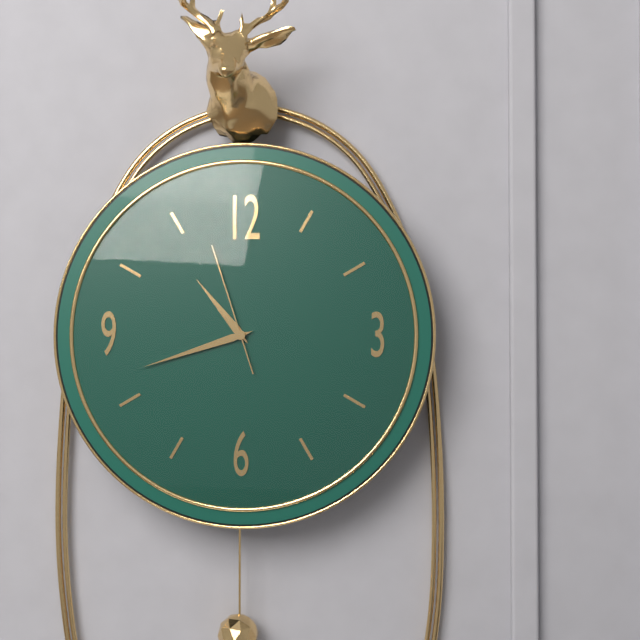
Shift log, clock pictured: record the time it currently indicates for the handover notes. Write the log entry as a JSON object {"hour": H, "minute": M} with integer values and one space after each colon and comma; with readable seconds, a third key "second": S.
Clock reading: {"hour": 10, "minute": 42, "second": 57}
